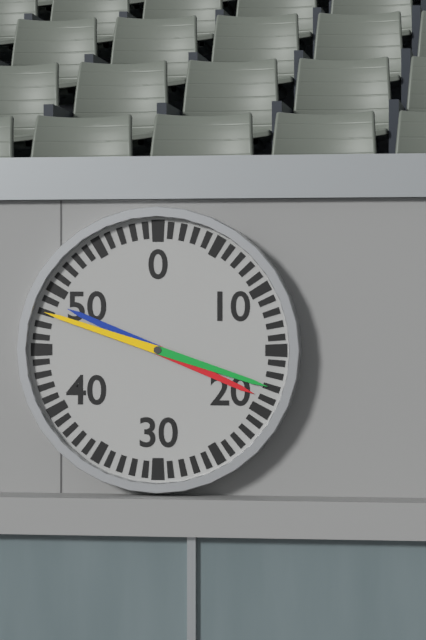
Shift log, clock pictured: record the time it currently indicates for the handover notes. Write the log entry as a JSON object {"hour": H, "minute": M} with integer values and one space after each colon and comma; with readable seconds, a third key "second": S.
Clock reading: {"hour": 3, "minute": 48}
